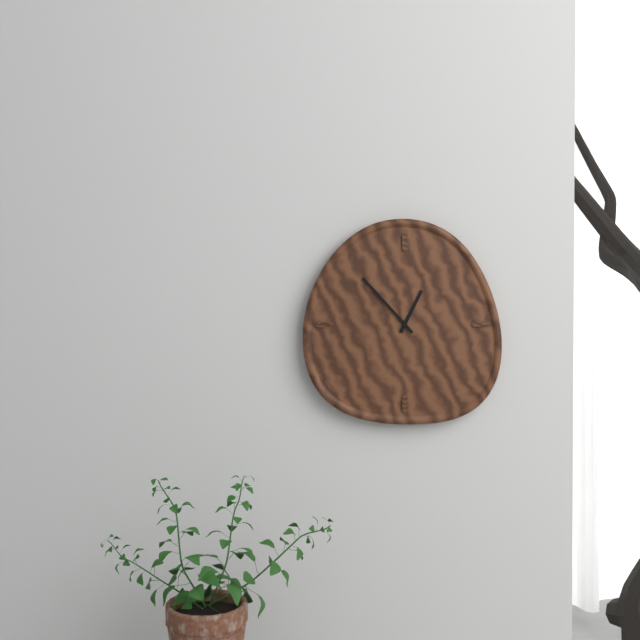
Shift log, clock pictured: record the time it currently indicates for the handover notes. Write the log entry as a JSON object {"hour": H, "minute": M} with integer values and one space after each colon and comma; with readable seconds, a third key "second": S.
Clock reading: {"hour": 12, "minute": 53}
